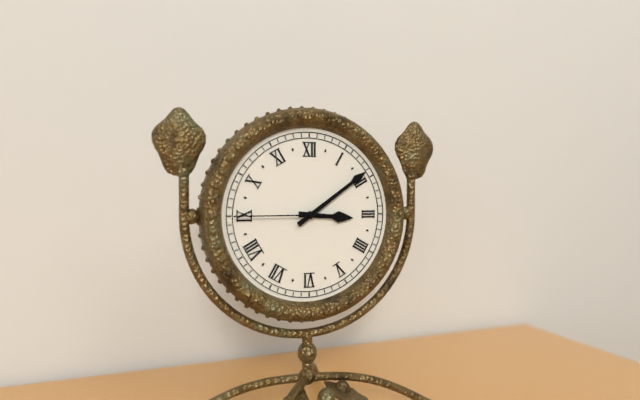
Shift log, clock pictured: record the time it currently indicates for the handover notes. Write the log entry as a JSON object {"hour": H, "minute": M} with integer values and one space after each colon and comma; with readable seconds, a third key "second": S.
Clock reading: {"hour": 3, "minute": 9, "second": 45}
